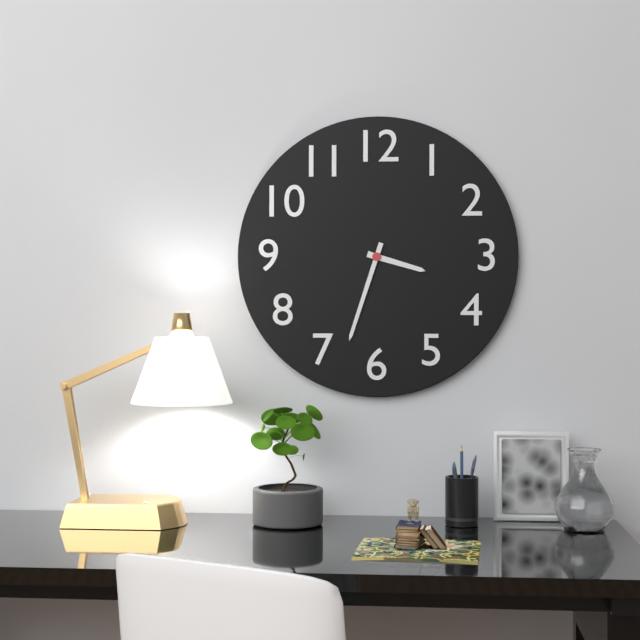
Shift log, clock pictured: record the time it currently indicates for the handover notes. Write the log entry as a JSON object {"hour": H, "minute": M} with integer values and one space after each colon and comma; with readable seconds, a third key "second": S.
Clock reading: {"hour": 3, "minute": 33}
